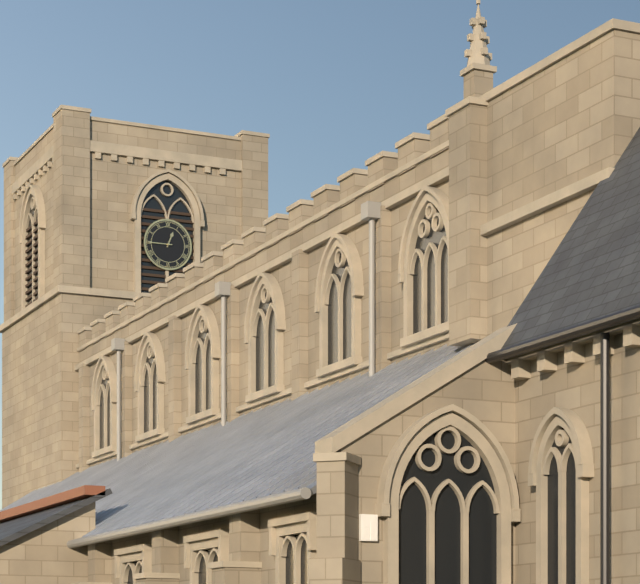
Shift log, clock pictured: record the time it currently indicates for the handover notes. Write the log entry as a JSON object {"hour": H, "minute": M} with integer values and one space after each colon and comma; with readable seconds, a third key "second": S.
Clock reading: {"hour": 12, "minute": 45}
